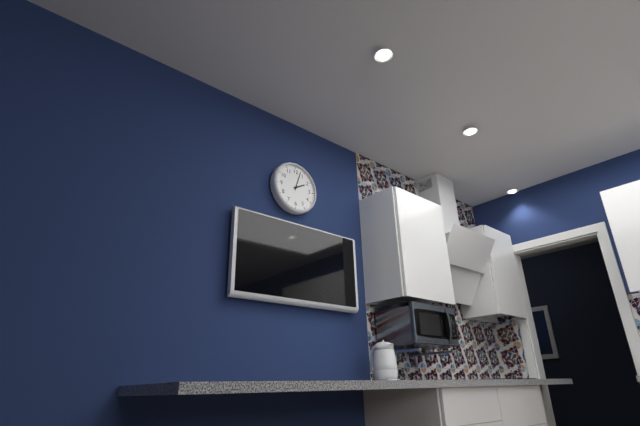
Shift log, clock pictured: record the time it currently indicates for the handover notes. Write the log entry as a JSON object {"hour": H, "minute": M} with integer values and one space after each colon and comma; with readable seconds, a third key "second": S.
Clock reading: {"hour": 2, "minute": 3}
